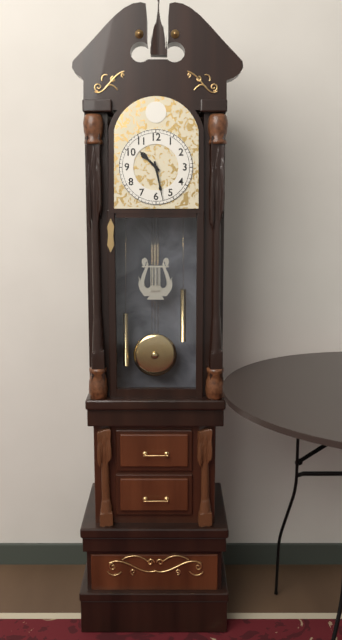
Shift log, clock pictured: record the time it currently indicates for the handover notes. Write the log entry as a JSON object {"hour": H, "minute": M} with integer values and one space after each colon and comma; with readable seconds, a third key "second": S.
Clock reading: {"hour": 10, "minute": 28}
